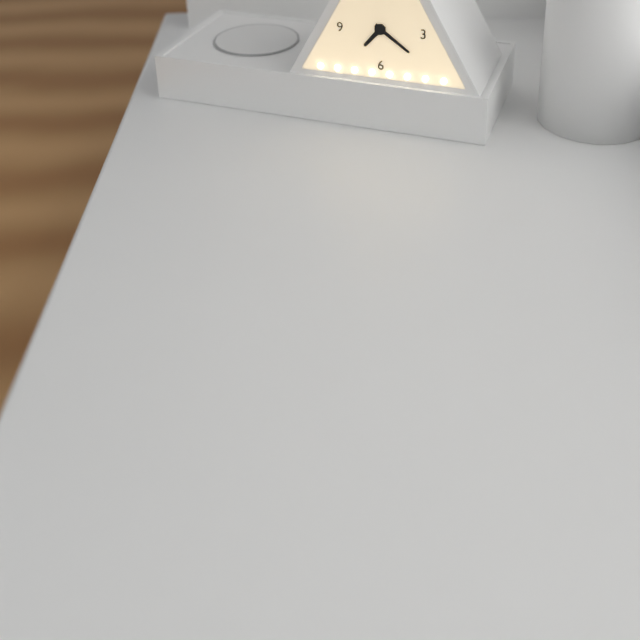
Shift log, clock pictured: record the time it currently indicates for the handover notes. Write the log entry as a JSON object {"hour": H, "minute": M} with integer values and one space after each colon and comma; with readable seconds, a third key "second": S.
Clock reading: {"hour": 7, "minute": 21}
